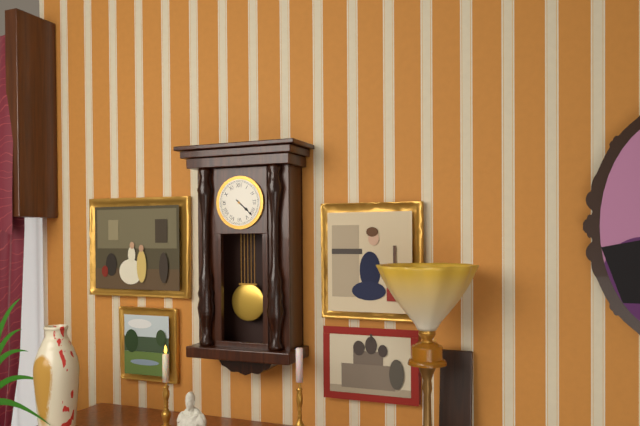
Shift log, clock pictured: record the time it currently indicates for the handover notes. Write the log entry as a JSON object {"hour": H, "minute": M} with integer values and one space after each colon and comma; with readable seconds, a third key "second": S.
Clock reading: {"hour": 4, "minute": 22}
